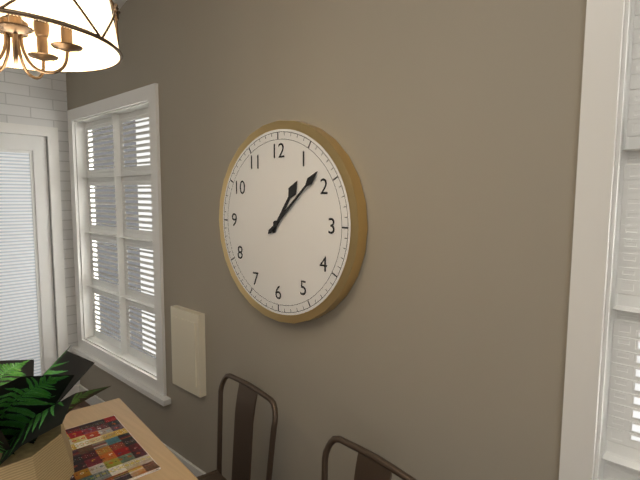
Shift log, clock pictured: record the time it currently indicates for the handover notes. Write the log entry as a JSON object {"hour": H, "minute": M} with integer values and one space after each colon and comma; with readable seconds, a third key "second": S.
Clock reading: {"hour": 1, "minute": 8}
